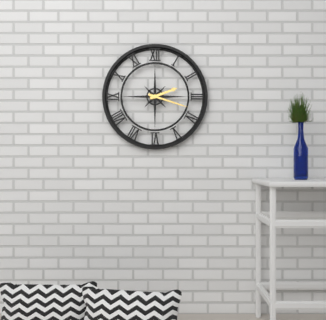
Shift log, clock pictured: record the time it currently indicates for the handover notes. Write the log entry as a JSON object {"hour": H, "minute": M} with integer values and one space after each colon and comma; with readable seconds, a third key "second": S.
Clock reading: {"hour": 2, "minute": 18}
